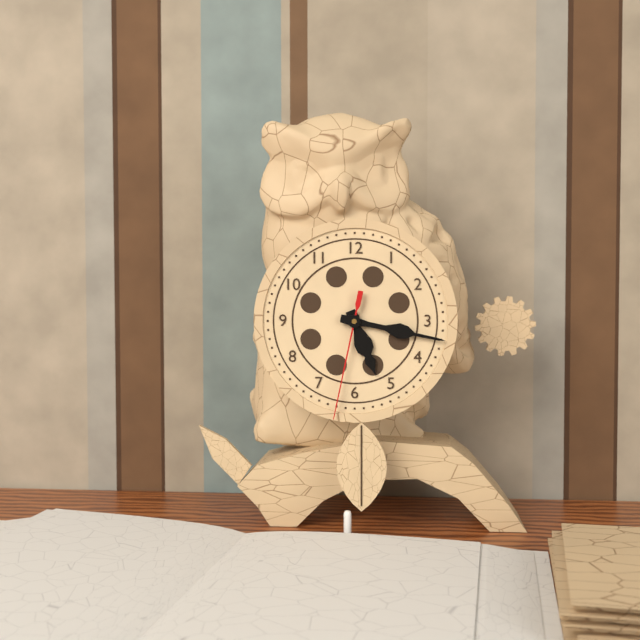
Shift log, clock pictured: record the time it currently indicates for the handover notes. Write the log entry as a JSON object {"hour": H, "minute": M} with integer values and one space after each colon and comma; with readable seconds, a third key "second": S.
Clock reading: {"hour": 5, "minute": 17, "second": 32}
